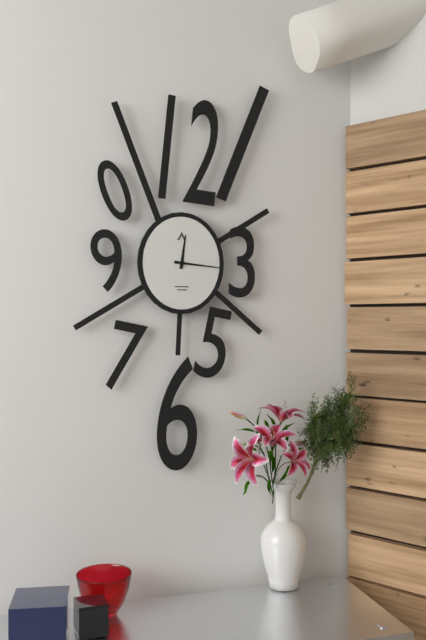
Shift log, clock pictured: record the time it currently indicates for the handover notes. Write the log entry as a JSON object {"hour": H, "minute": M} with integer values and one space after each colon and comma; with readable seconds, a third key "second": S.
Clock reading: {"hour": 12, "minute": 16}
